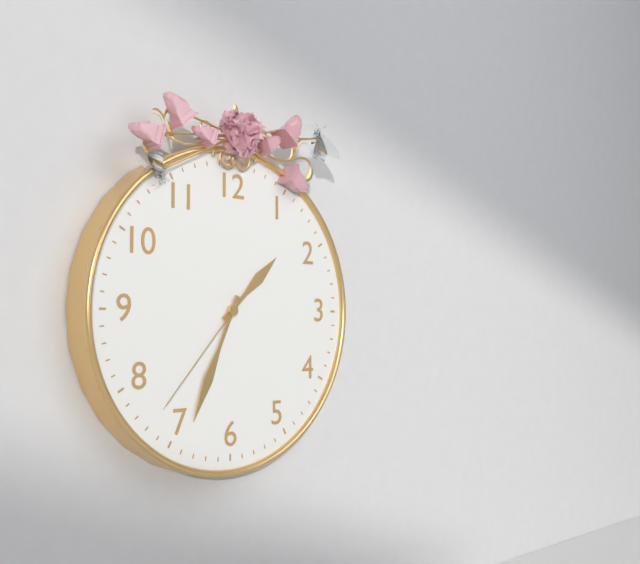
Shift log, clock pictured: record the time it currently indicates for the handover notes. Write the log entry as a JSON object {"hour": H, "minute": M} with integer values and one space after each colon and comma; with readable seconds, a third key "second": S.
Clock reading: {"hour": 1, "minute": 34, "second": 37}
